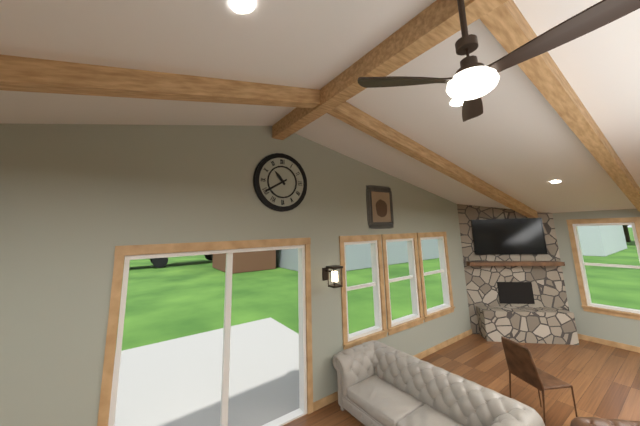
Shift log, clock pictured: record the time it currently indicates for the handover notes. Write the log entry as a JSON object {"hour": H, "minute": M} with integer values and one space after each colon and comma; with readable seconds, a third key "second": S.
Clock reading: {"hour": 10, "minute": 40}
